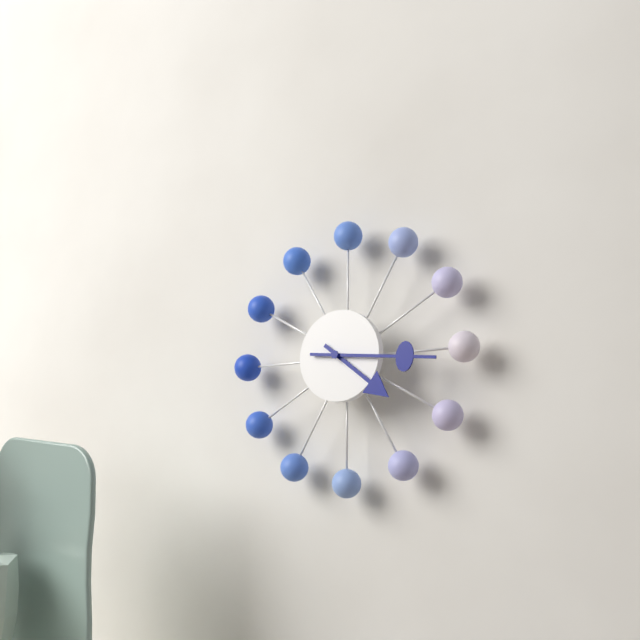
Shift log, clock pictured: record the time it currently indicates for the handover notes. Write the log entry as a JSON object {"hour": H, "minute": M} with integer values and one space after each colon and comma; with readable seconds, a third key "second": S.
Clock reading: {"hour": 4, "minute": 16}
